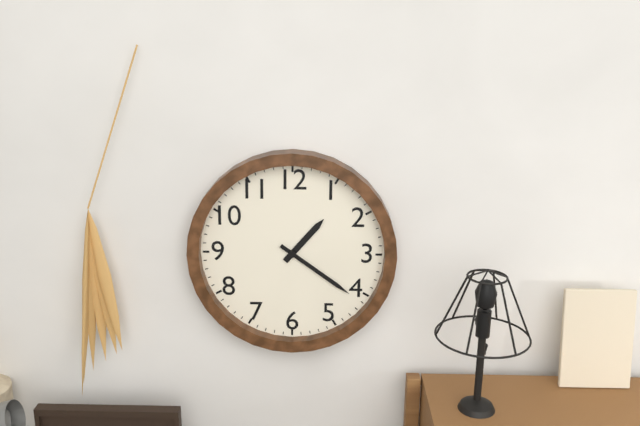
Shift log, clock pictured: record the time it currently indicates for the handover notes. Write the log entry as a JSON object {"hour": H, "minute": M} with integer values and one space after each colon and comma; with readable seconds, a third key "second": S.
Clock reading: {"hour": 1, "minute": 21}
